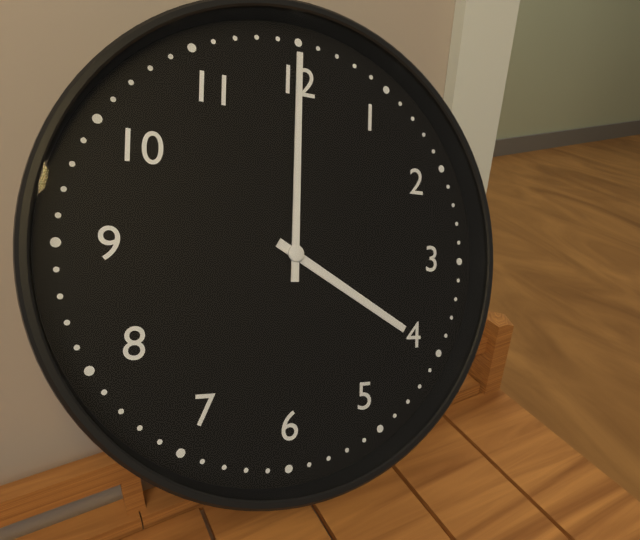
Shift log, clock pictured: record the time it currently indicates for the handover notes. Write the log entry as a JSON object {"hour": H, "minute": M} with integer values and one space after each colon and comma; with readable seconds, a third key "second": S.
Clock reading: {"hour": 4, "minute": 0}
